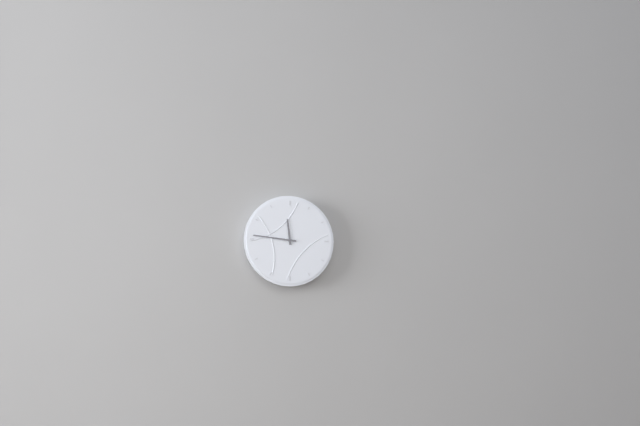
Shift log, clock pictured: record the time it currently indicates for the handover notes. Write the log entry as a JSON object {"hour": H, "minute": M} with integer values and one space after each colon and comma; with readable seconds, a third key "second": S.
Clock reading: {"hour": 11, "minute": 46}
